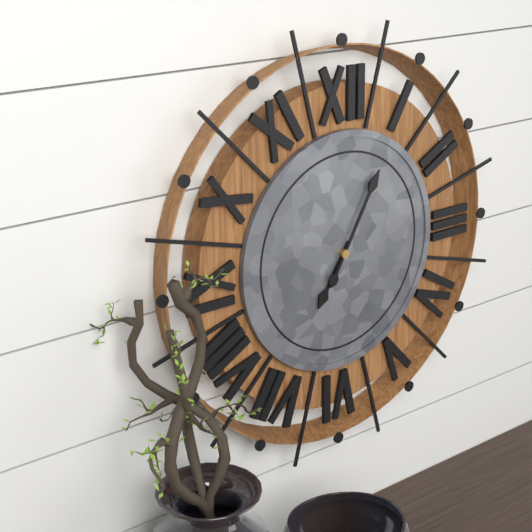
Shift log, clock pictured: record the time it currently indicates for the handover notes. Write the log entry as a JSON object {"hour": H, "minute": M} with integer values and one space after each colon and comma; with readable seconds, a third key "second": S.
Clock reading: {"hour": 7, "minute": 5}
